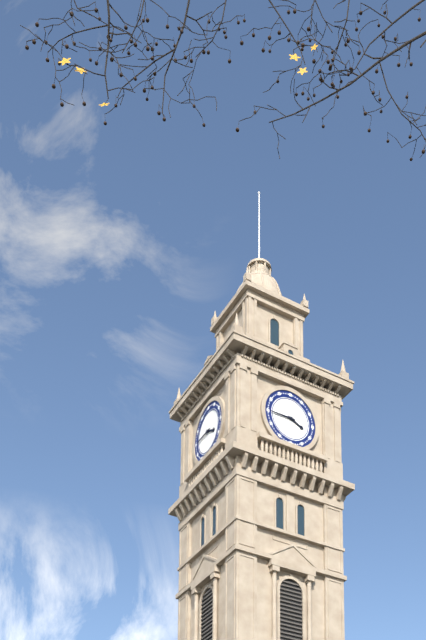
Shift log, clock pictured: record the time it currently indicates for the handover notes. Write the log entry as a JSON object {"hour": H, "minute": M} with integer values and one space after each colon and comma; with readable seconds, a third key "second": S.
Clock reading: {"hour": 3, "minute": 45}
